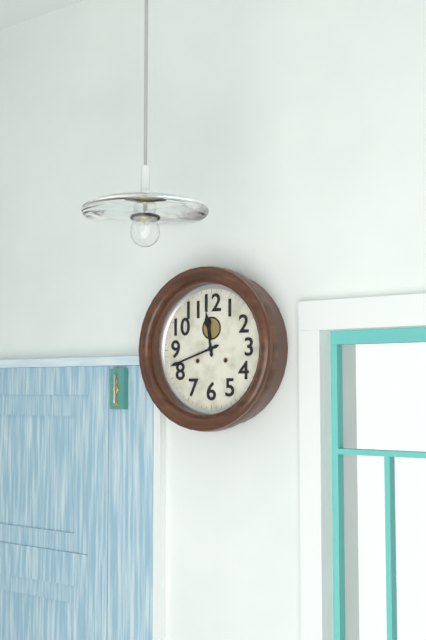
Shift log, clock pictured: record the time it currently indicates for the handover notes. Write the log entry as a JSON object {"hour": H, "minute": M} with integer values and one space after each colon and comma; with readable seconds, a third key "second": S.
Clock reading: {"hour": 11, "minute": 42}
